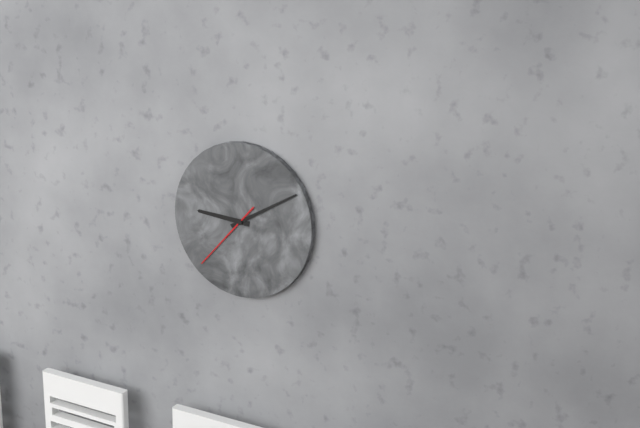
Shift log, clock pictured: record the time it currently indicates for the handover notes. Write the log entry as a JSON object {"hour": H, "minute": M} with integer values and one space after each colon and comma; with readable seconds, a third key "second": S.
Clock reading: {"hour": 9, "minute": 10, "second": 37}
